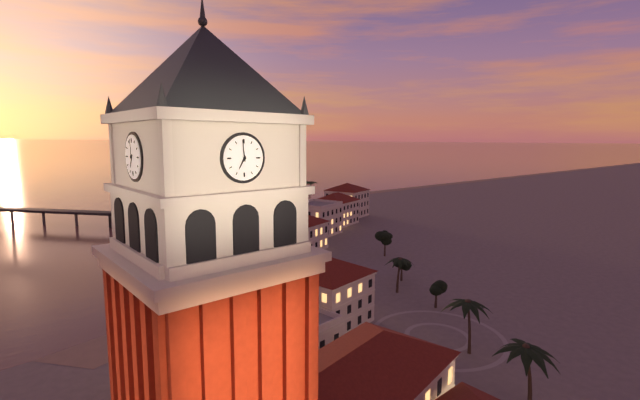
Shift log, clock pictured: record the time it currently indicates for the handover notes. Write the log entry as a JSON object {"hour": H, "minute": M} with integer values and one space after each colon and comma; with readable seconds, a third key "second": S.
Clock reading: {"hour": 6, "minute": 59}
